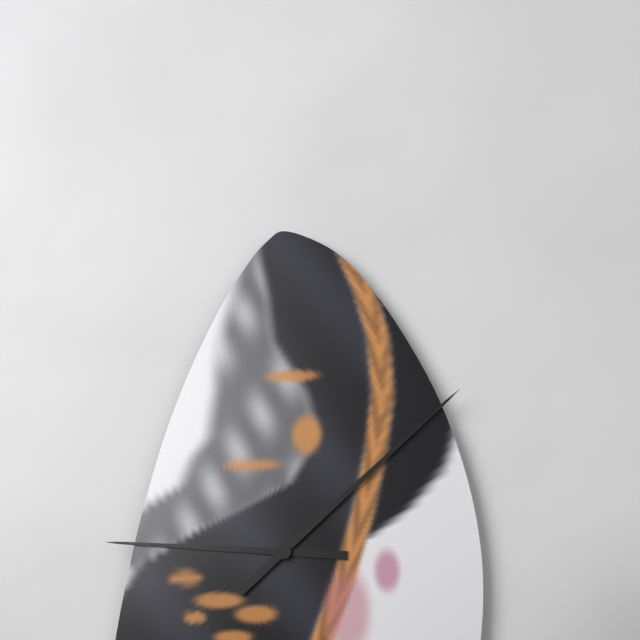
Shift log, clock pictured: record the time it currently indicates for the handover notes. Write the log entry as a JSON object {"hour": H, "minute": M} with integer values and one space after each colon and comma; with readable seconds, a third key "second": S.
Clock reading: {"hour": 9, "minute": 8}
